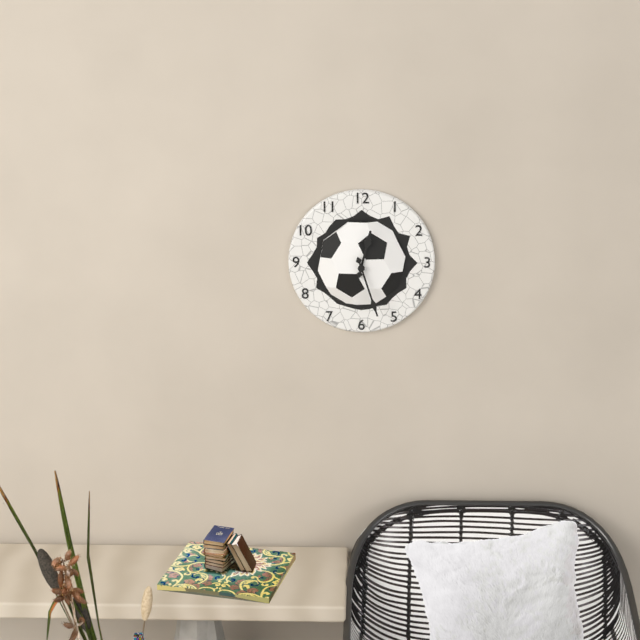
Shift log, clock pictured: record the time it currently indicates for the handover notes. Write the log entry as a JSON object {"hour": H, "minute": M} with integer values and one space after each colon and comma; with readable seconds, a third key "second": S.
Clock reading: {"hour": 12, "minute": 27}
